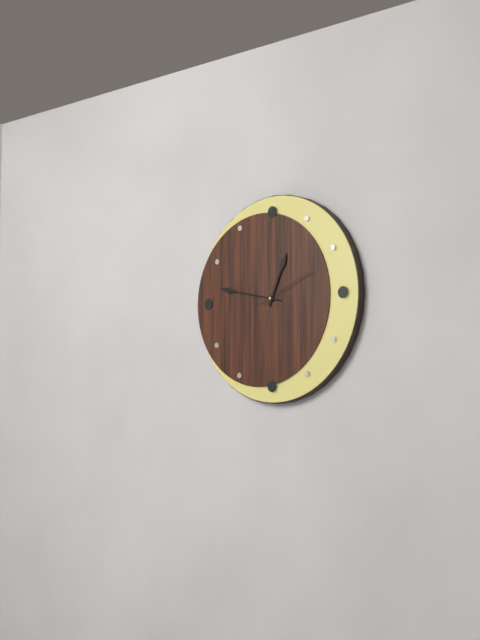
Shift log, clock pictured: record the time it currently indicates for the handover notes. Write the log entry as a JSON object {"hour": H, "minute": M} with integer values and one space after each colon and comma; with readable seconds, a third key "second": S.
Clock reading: {"hour": 12, "minute": 47, "second": 11}
